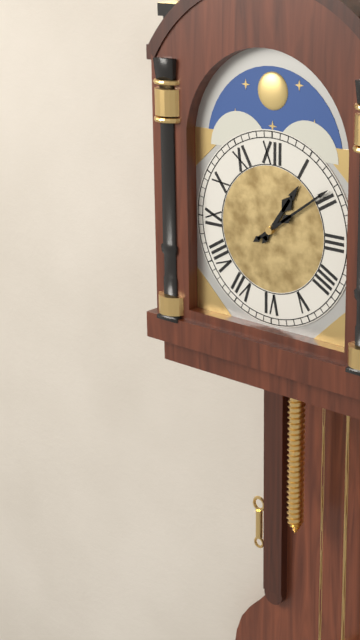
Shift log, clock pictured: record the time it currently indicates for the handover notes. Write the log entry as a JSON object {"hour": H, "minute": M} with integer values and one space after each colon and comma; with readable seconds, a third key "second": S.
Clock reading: {"hour": 1, "minute": 9}
